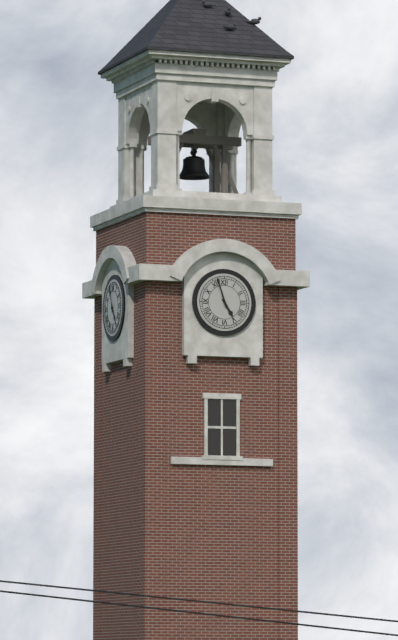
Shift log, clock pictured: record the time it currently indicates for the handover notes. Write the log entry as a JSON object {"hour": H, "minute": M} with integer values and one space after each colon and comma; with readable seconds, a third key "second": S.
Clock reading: {"hour": 4, "minute": 57}
